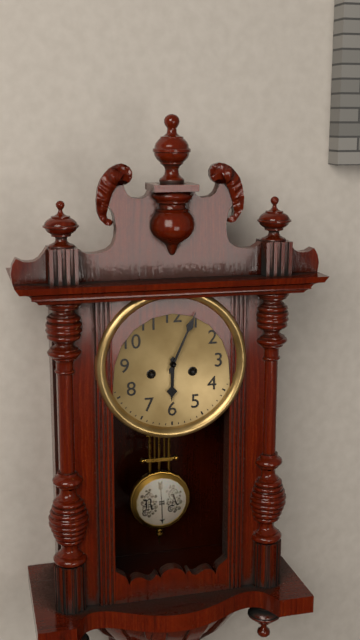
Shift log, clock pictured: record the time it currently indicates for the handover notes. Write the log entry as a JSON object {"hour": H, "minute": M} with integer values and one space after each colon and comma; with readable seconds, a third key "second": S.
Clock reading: {"hour": 6, "minute": 4}
